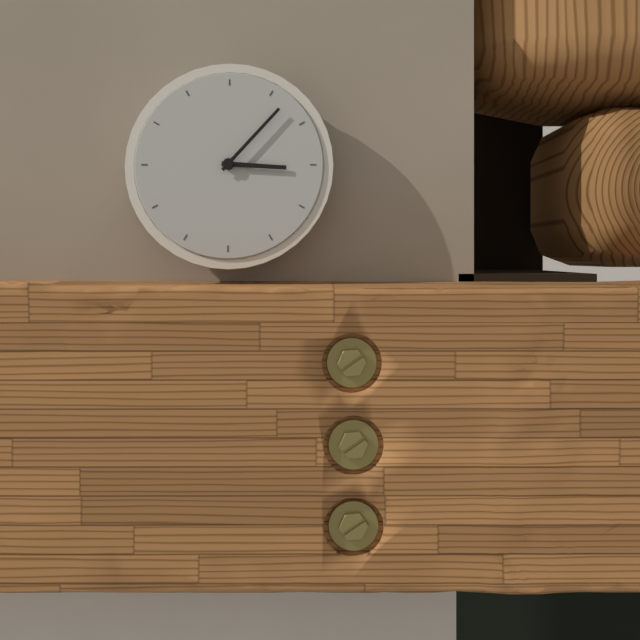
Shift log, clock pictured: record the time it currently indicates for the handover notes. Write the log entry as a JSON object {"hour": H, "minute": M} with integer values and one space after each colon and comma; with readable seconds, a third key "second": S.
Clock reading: {"hour": 3, "minute": 7}
